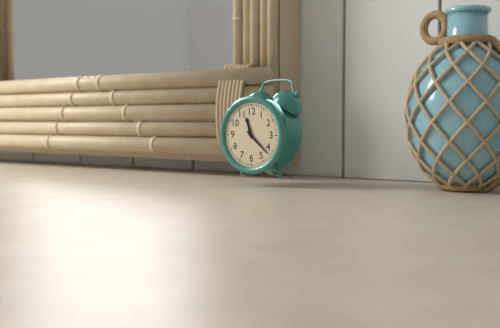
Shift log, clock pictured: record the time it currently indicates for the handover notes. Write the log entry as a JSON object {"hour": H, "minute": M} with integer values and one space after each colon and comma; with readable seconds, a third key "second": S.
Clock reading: {"hour": 11, "minute": 22}
